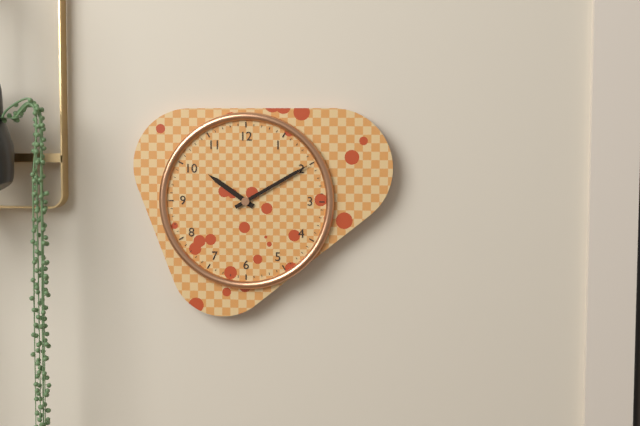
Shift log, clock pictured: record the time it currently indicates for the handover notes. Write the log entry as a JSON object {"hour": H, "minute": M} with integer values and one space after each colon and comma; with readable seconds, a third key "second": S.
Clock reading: {"hour": 10, "minute": 10}
